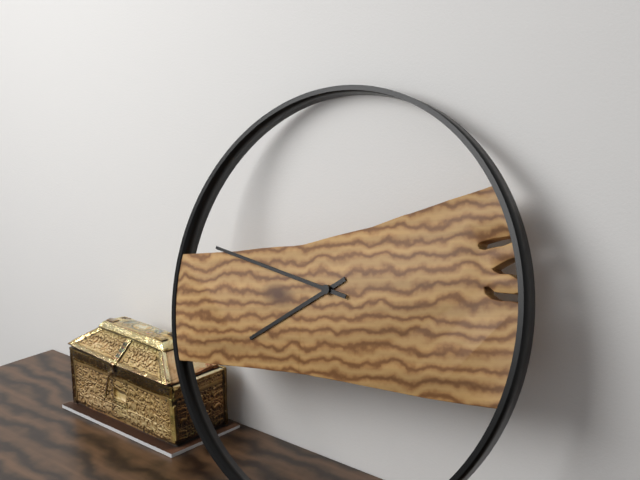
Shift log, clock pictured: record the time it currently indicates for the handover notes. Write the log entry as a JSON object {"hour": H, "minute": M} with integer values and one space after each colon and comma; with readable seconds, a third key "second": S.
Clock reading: {"hour": 7, "minute": 46}
